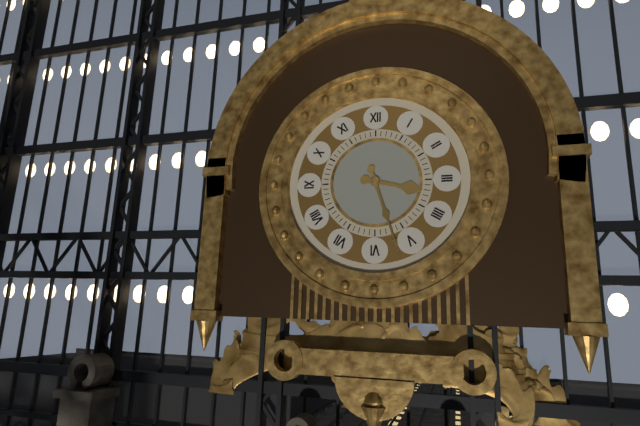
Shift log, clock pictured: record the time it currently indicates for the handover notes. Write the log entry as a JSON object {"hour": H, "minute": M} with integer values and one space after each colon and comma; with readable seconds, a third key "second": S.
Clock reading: {"hour": 3, "minute": 27}
